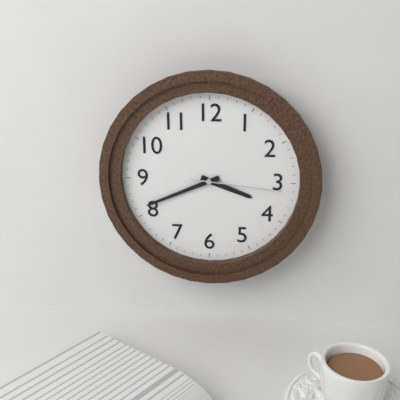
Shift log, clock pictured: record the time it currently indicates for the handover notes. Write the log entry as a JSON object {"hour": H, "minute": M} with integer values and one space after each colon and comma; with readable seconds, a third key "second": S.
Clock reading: {"hour": 3, "minute": 41, "second": 16}
